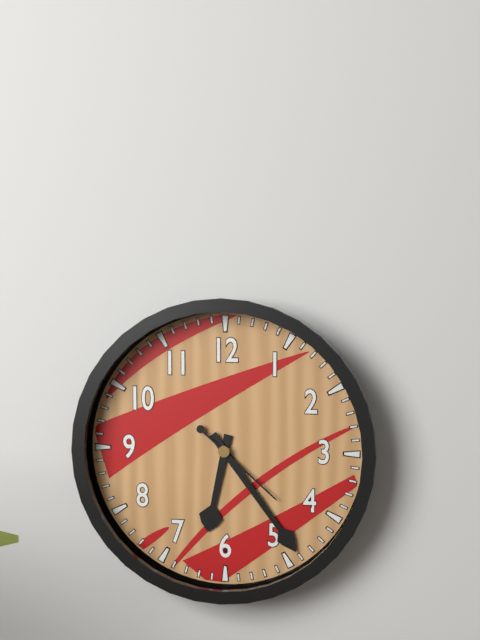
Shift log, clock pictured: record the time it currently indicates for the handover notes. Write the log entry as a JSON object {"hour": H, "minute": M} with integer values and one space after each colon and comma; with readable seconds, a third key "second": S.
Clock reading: {"hour": 6, "minute": 24, "second": 22}
